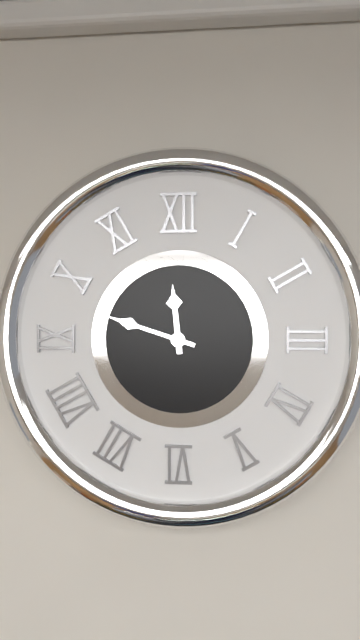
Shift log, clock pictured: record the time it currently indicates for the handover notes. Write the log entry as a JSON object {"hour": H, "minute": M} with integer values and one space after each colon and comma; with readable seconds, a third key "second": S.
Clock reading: {"hour": 11, "minute": 48}
